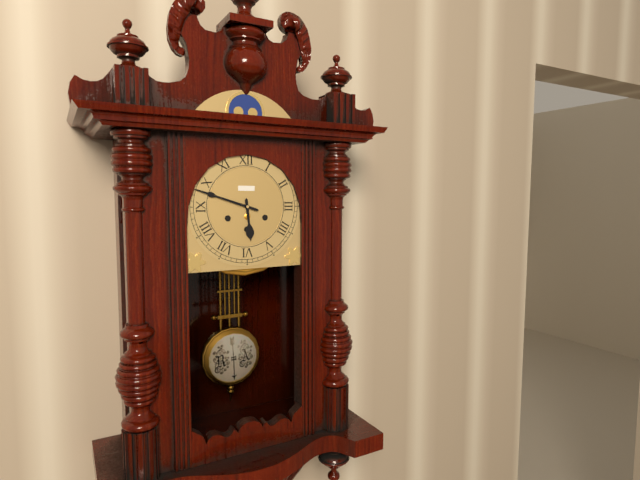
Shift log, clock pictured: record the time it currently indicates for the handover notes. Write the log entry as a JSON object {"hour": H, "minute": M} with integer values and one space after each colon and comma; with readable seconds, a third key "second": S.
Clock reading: {"hour": 5, "minute": 48}
